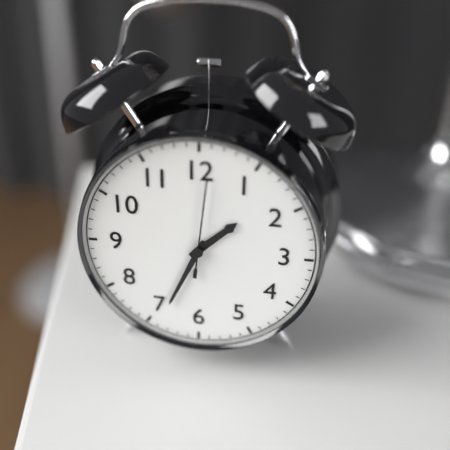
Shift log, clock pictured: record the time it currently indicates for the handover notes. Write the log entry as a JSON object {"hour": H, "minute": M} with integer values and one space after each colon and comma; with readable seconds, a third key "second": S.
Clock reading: {"hour": 1, "minute": 34, "second": 1}
